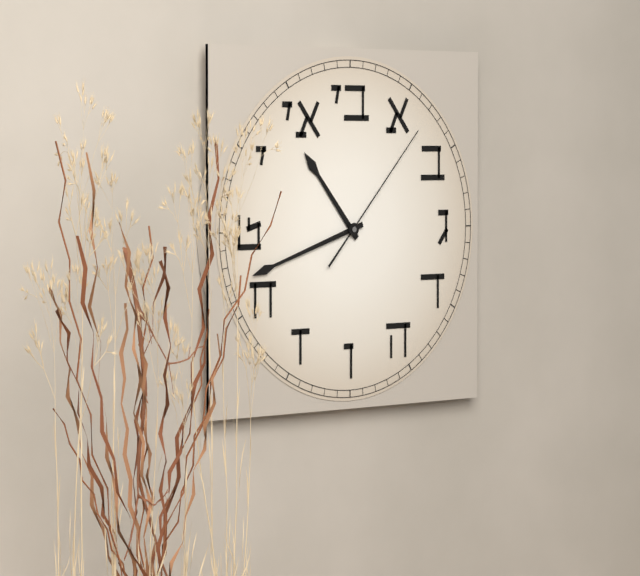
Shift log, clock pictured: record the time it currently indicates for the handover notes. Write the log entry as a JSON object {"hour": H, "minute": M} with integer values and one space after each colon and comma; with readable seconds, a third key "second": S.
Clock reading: {"hour": 10, "minute": 42, "second": 7}
